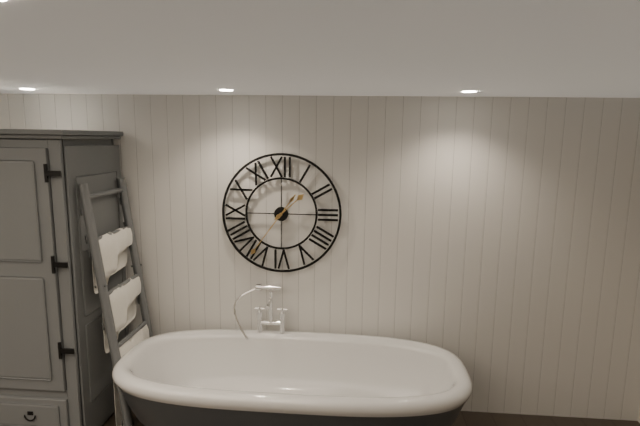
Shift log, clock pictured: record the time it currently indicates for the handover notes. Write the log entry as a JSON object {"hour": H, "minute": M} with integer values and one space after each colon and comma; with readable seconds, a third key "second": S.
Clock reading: {"hour": 1, "minute": 36}
